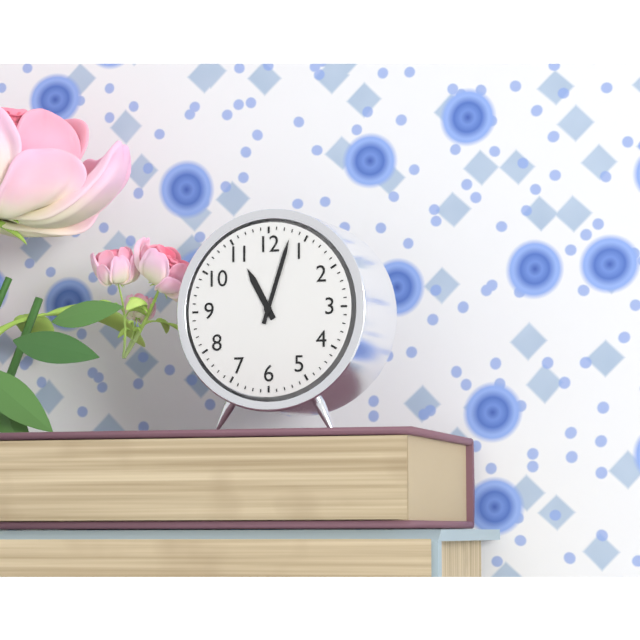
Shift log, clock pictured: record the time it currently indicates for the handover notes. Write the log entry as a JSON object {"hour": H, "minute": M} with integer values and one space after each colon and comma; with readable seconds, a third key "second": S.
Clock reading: {"hour": 11, "minute": 3}
